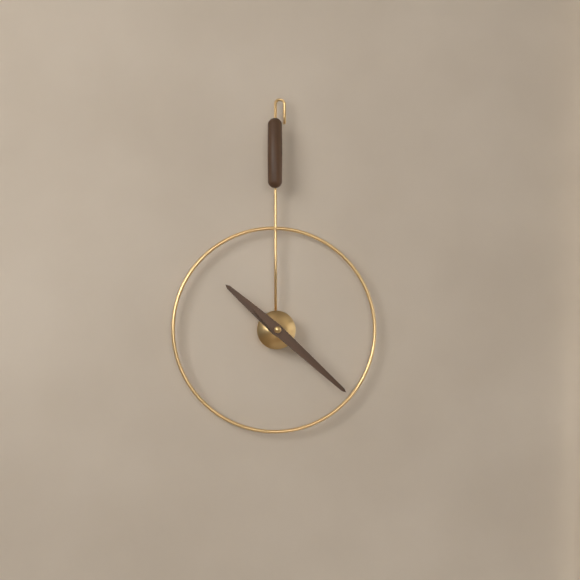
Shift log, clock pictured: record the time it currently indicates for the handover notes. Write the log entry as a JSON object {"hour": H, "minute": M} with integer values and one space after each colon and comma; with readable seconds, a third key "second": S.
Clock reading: {"hour": 10, "minute": 22}
